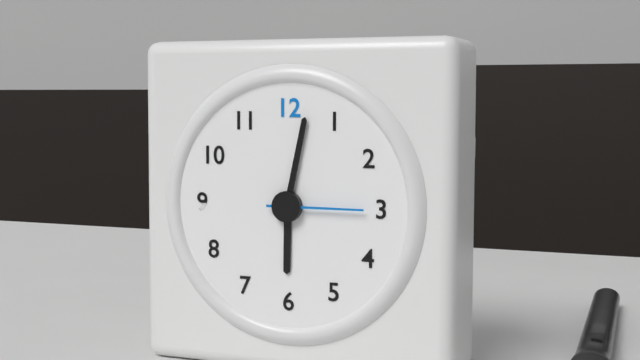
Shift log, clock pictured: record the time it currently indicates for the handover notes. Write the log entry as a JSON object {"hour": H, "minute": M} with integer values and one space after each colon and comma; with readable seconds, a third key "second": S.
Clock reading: {"hour": 6, "minute": 2, "second": 15}
